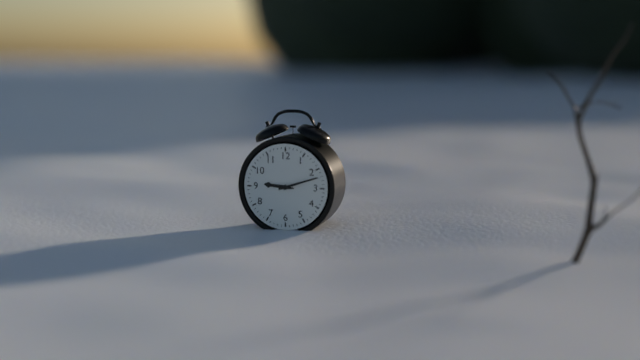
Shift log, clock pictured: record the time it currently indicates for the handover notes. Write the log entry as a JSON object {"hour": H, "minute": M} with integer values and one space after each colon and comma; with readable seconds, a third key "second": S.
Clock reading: {"hour": 9, "minute": 12}
